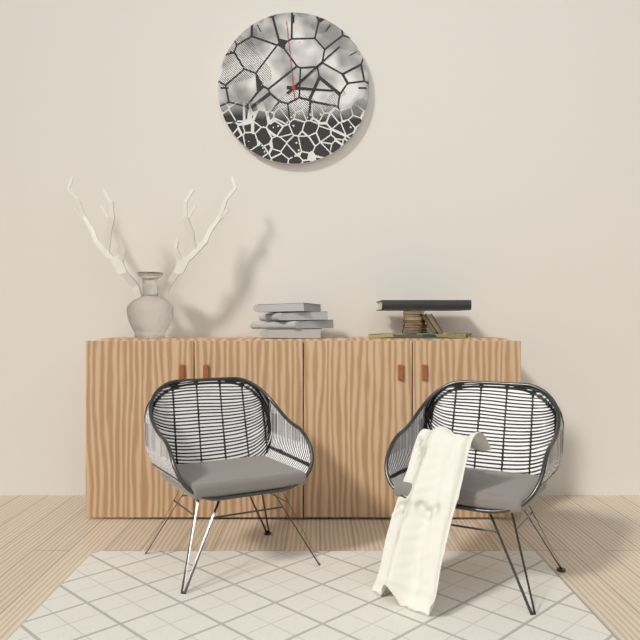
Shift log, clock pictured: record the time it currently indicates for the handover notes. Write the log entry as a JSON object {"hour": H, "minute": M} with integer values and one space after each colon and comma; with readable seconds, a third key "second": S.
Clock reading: {"hour": 3, "minute": 8, "second": 59}
